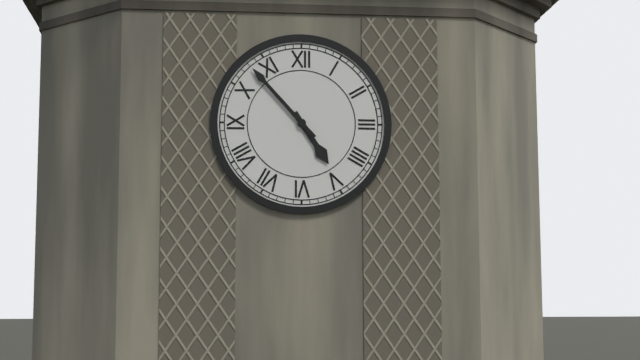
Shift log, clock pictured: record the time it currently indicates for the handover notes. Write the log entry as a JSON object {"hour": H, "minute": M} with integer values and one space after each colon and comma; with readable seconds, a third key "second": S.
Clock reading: {"hour": 4, "minute": 53}
